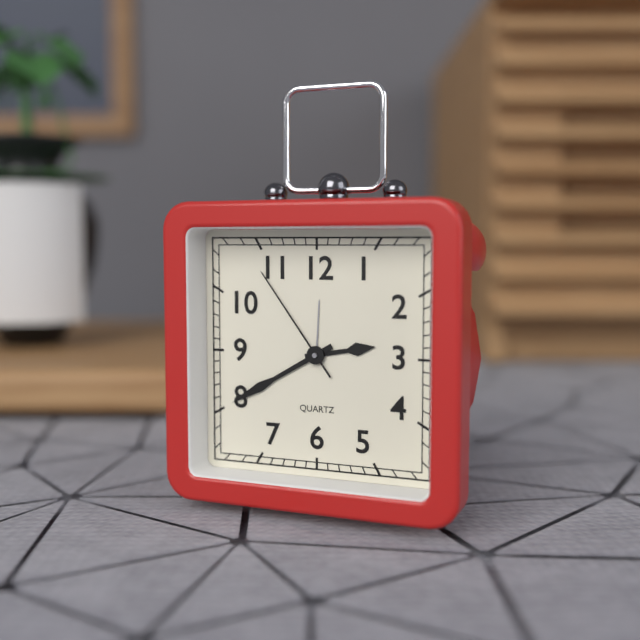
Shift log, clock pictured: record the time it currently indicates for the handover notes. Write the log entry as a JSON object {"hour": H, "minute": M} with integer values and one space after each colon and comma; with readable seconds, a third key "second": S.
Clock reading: {"hour": 2, "minute": 40, "second": 54}
